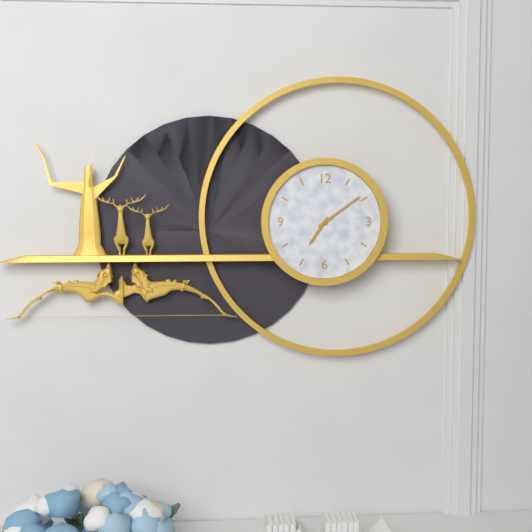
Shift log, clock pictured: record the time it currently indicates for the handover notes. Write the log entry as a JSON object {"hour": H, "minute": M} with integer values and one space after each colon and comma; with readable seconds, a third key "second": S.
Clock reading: {"hour": 7, "minute": 9}
